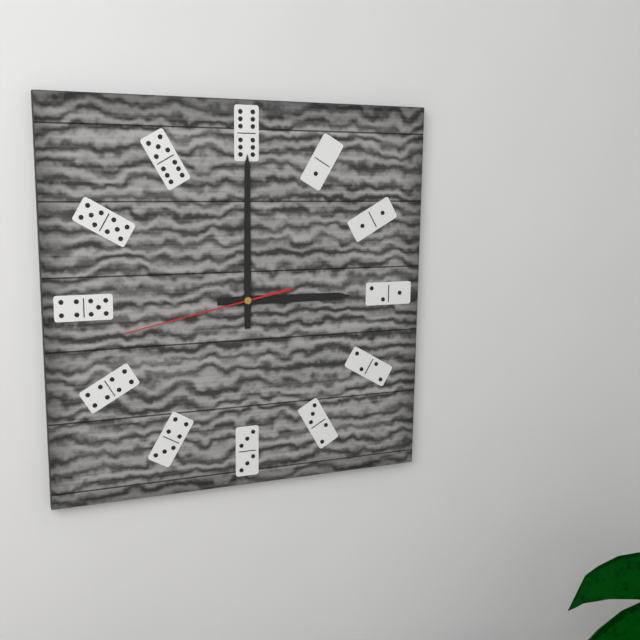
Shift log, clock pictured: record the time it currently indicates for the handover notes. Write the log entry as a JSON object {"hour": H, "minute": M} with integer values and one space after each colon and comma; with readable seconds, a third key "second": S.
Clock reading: {"hour": 3, "minute": 0, "second": 43}
